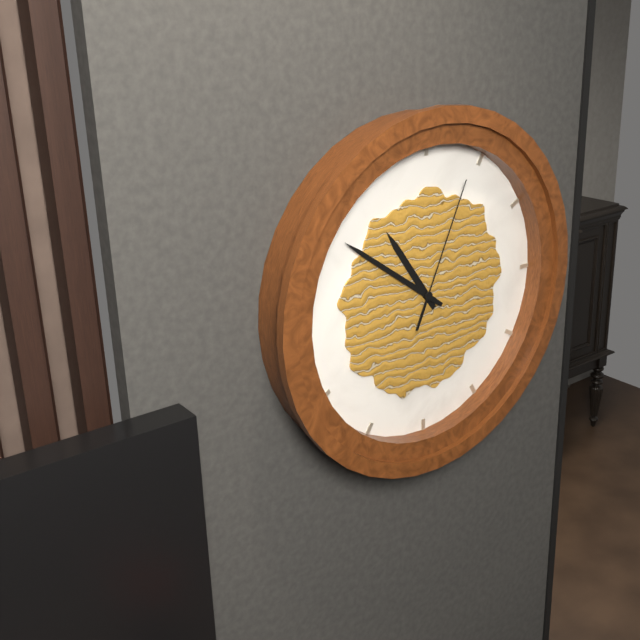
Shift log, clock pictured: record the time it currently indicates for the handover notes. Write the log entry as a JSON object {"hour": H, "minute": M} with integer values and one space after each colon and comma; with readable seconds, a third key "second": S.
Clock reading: {"hour": 10, "minute": 51, "second": 4}
